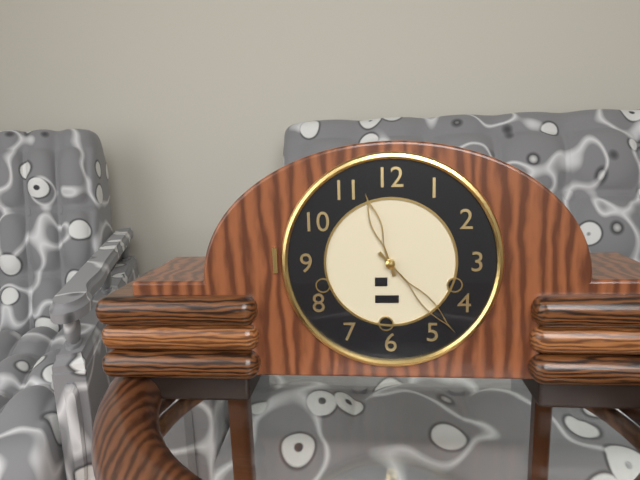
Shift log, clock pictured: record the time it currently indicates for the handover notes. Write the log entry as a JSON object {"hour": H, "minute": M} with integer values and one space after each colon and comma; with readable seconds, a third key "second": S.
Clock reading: {"hour": 11, "minute": 23}
